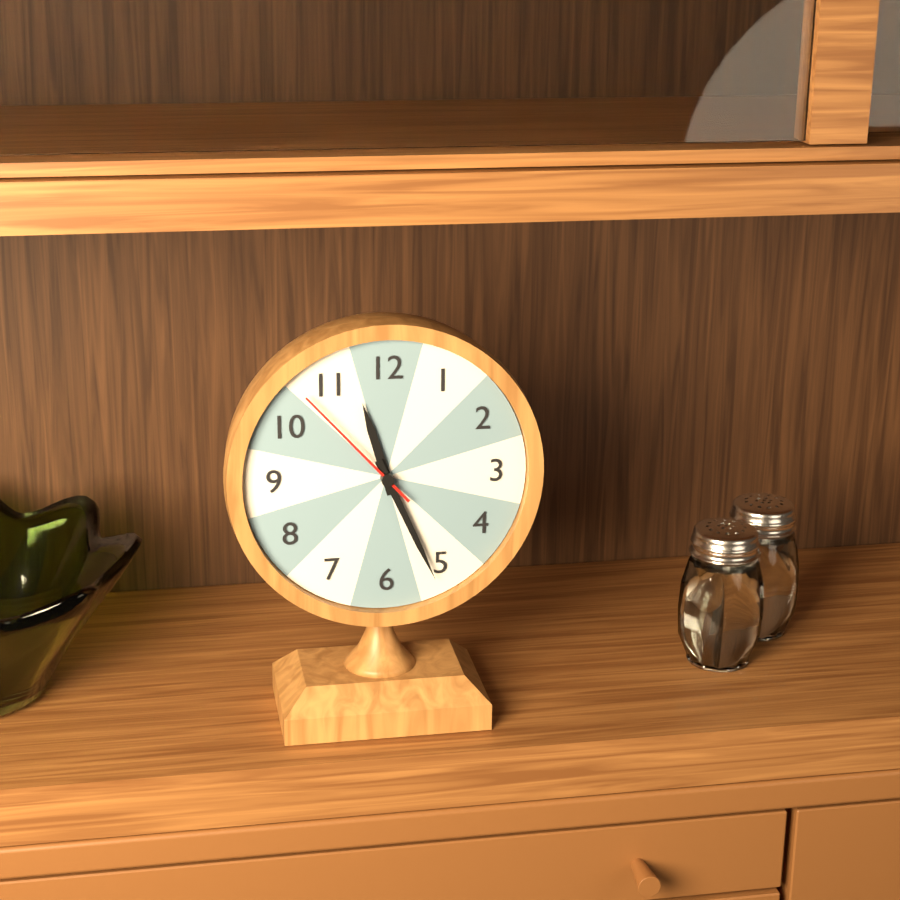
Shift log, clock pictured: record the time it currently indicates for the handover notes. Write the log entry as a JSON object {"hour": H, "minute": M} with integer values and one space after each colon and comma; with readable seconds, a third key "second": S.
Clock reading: {"hour": 11, "minute": 26, "second": 53}
